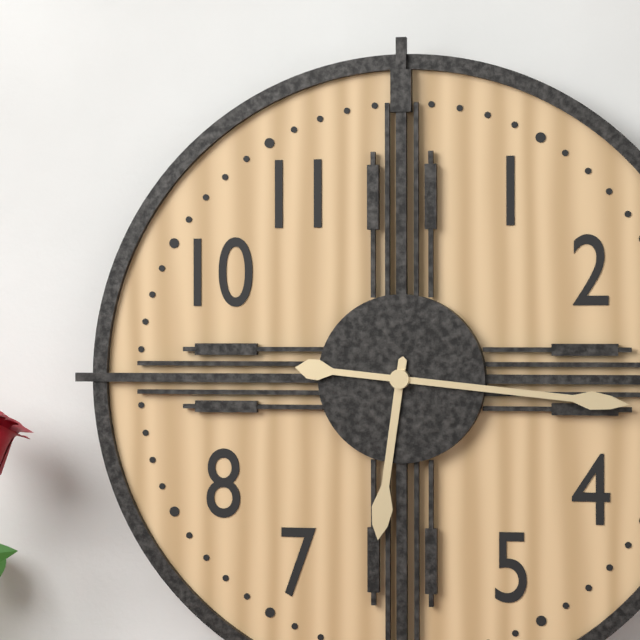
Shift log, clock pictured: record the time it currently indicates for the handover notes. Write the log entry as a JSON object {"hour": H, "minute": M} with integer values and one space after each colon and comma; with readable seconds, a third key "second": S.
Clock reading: {"hour": 6, "minute": 16}
